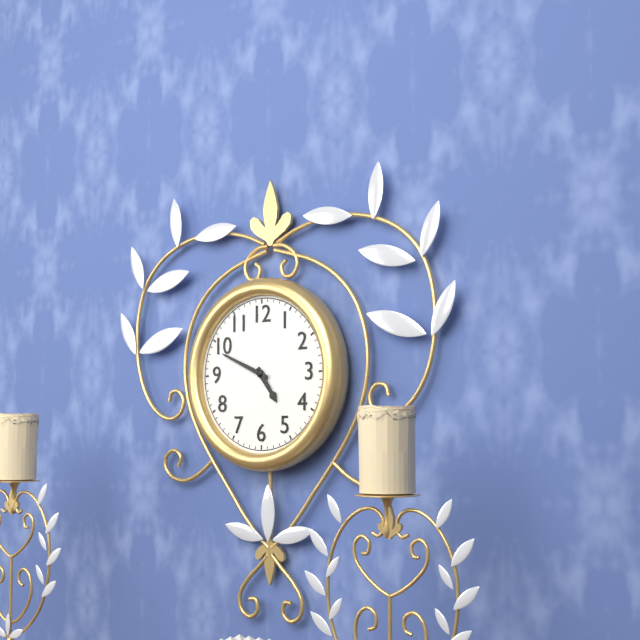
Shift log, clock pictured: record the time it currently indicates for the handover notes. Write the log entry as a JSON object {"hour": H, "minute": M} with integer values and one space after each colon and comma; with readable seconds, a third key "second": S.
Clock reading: {"hour": 4, "minute": 49}
